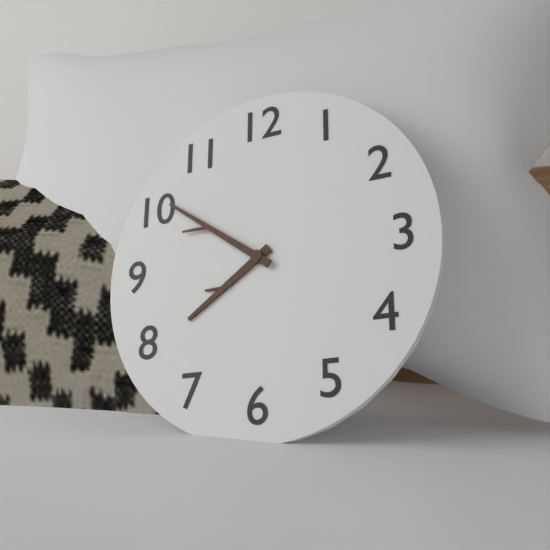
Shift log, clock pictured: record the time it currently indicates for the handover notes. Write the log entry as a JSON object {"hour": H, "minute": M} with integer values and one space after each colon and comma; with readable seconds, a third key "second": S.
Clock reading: {"hour": 7, "minute": 51}
